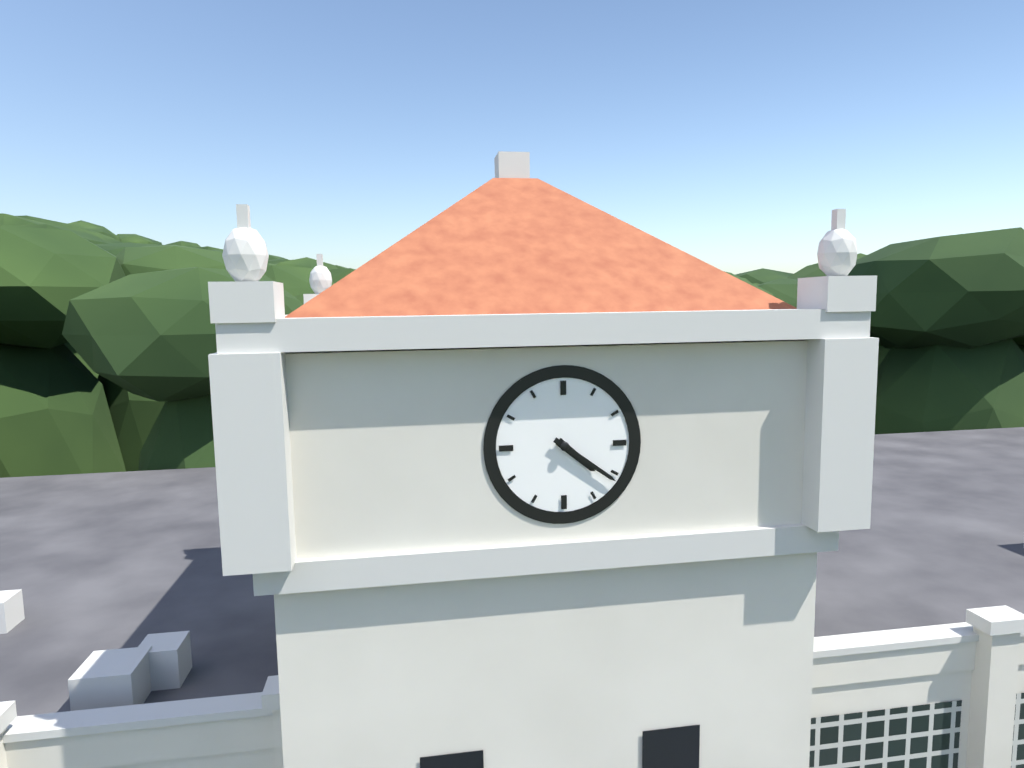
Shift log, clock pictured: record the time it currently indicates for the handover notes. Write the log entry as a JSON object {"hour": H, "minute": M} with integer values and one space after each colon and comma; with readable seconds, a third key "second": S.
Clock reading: {"hour": 4, "minute": 21}
